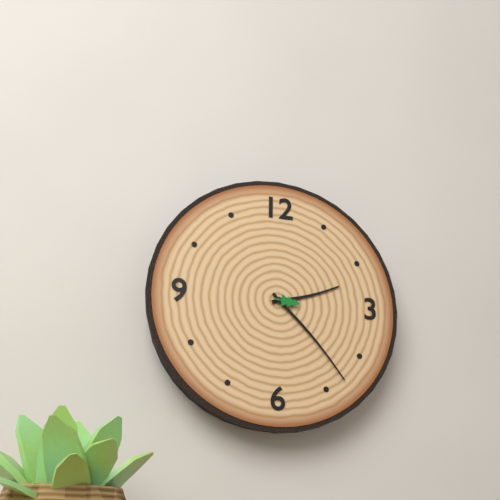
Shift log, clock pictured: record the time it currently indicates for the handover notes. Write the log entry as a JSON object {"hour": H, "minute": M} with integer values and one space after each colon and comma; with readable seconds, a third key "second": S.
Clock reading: {"hour": 2, "minute": 23}
